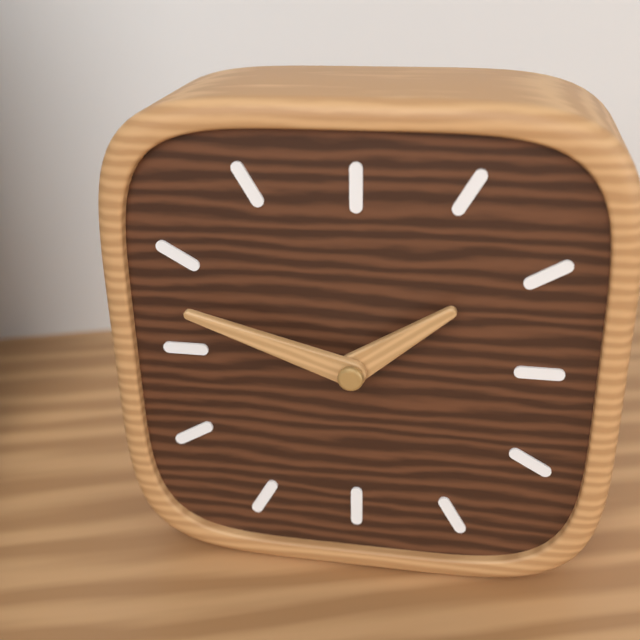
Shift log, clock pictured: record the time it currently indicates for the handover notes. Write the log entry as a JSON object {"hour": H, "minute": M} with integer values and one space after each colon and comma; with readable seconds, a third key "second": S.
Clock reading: {"hour": 1, "minute": 48}
